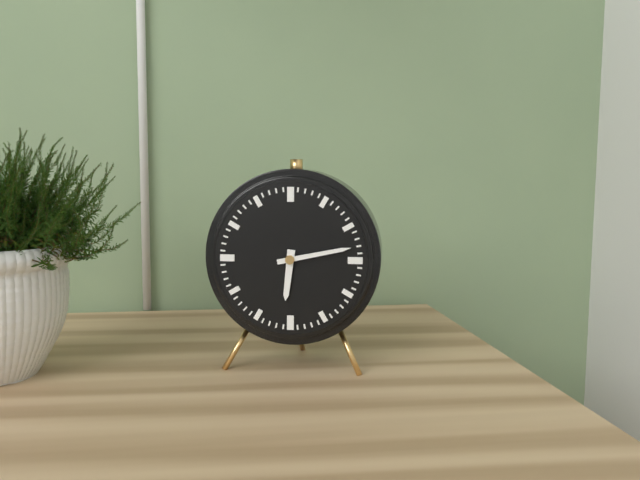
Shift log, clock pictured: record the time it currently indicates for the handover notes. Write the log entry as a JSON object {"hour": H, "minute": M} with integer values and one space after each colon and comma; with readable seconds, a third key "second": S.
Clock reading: {"hour": 6, "minute": 13}
